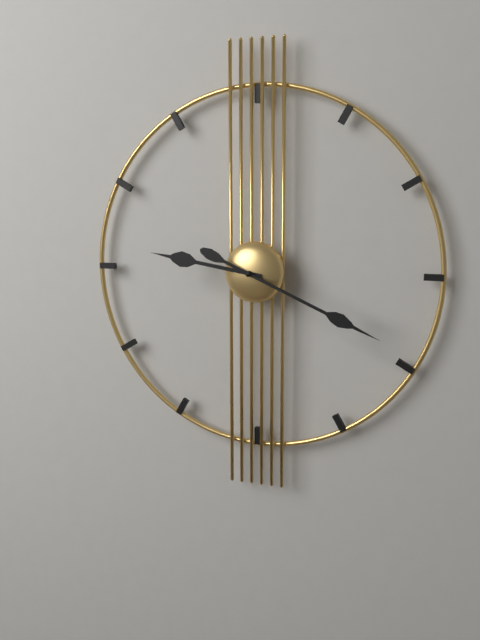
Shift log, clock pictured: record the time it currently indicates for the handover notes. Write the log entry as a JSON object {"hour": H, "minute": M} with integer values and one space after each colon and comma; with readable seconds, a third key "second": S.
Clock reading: {"hour": 9, "minute": 19}
